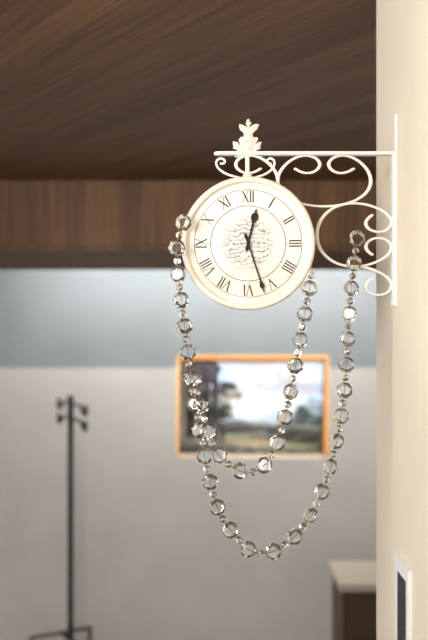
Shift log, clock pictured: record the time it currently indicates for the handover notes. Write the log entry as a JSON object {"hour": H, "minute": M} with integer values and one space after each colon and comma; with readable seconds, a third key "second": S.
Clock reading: {"hour": 12, "minute": 27}
